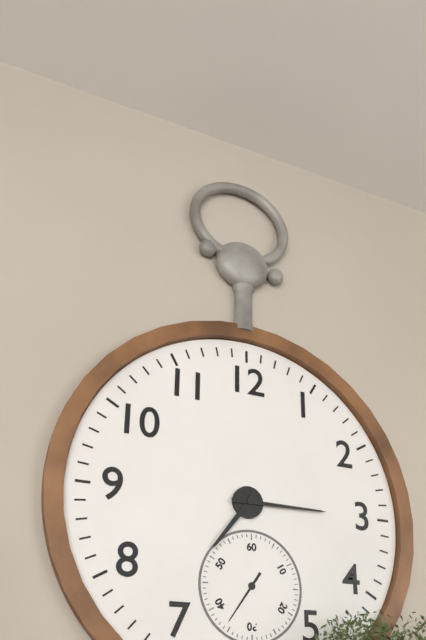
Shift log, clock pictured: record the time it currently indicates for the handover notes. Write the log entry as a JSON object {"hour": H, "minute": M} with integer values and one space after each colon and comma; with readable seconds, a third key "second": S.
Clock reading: {"hour": 7, "minute": 15}
